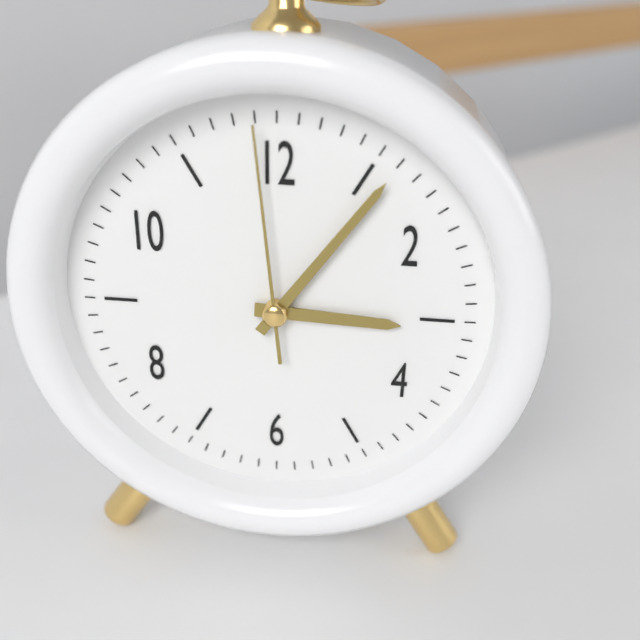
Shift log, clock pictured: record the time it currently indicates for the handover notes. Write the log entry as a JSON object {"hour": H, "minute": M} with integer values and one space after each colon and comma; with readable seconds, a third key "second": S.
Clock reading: {"hour": 3, "minute": 6, "second": 59}
